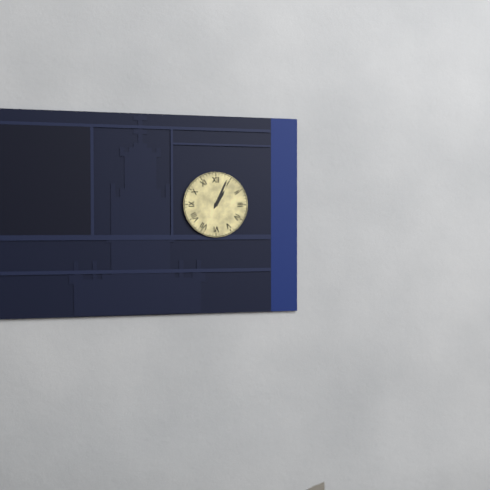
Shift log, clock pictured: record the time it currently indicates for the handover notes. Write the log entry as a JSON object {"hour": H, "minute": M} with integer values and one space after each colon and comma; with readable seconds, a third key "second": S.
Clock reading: {"hour": 1, "minute": 4}
